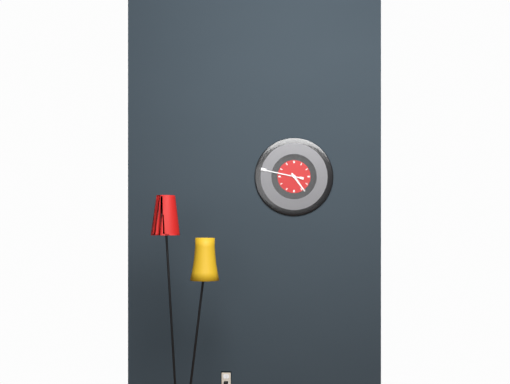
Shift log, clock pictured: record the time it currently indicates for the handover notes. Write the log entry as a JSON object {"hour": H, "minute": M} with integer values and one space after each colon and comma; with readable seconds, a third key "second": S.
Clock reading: {"hour": 4, "minute": 47}
